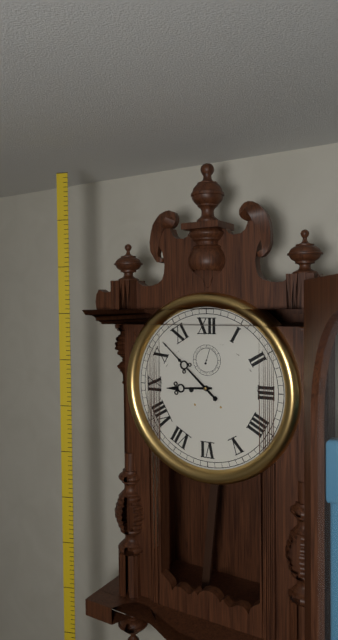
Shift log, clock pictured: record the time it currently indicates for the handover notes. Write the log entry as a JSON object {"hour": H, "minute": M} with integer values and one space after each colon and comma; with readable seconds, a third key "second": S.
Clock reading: {"hour": 8, "minute": 52}
